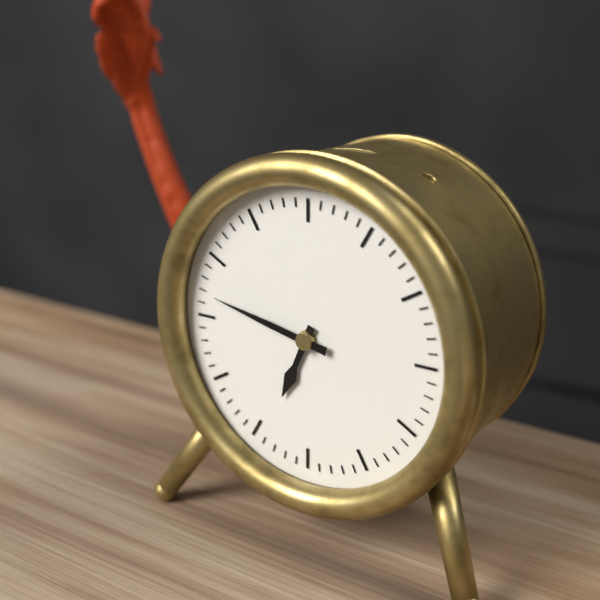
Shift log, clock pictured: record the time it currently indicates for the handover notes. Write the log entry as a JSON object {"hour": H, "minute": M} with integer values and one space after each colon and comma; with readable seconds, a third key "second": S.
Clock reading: {"hour": 6, "minute": 47}
